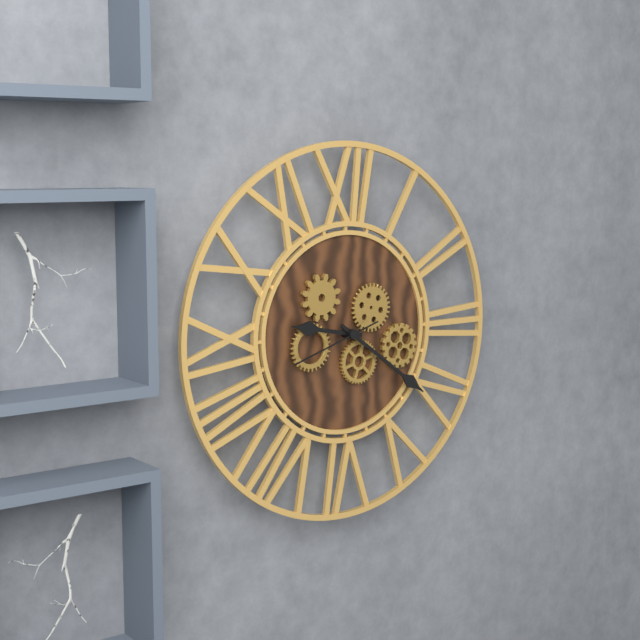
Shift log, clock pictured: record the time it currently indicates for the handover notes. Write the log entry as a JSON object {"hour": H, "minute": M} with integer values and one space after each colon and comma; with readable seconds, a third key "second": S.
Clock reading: {"hour": 9, "minute": 21, "second": 42}
